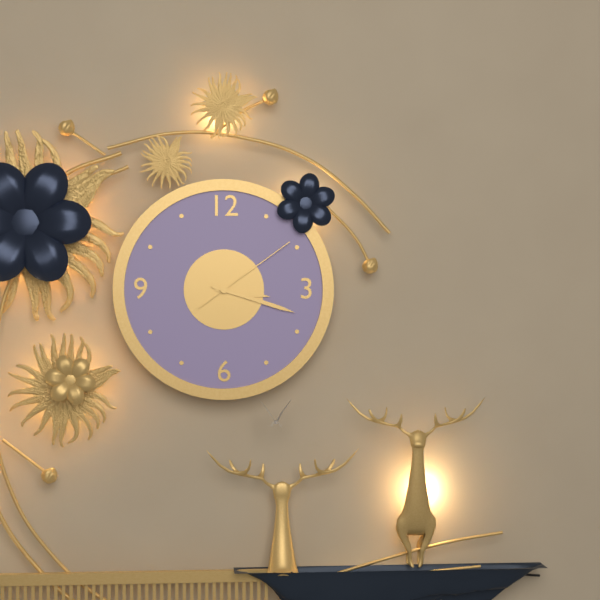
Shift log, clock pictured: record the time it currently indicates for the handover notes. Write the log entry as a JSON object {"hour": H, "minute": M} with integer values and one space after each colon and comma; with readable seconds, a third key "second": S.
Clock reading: {"hour": 3, "minute": 18, "second": 9}
